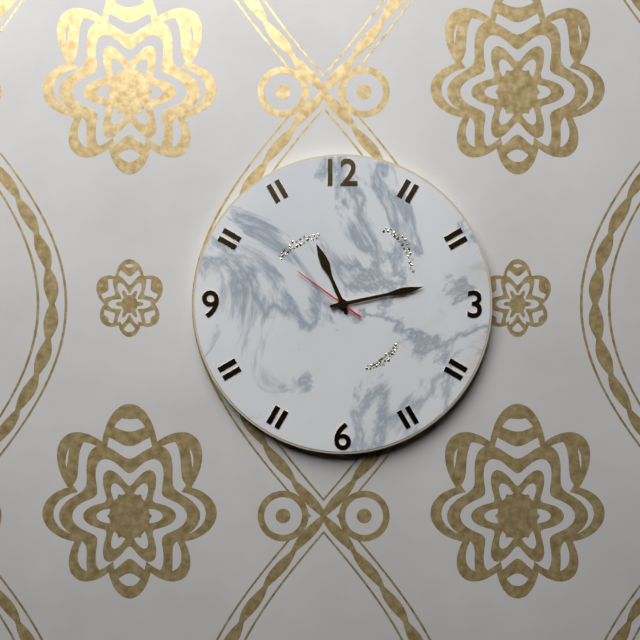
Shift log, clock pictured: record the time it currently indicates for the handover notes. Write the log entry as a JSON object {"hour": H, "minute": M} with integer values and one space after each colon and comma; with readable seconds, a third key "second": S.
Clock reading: {"hour": 11, "minute": 13, "second": 51}
